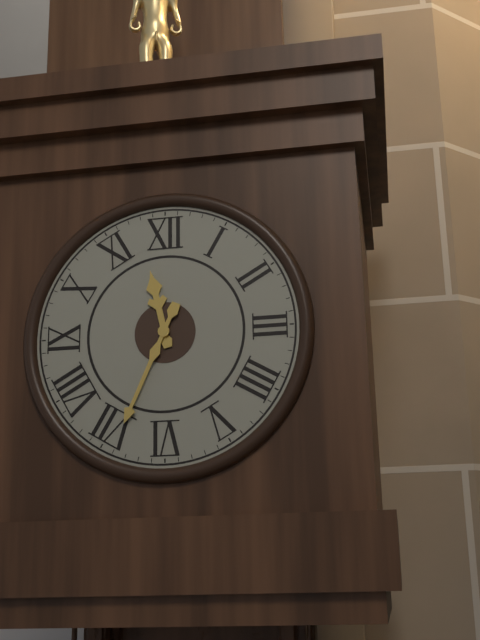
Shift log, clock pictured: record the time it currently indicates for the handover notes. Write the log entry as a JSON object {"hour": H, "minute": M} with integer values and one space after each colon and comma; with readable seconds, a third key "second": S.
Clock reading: {"hour": 11, "minute": 34}
